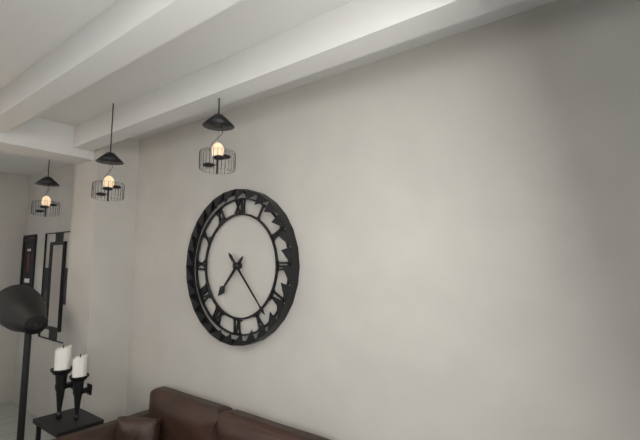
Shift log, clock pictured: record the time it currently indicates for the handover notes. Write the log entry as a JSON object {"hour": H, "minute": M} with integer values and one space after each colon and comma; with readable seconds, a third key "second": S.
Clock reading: {"hour": 7, "minute": 23}
